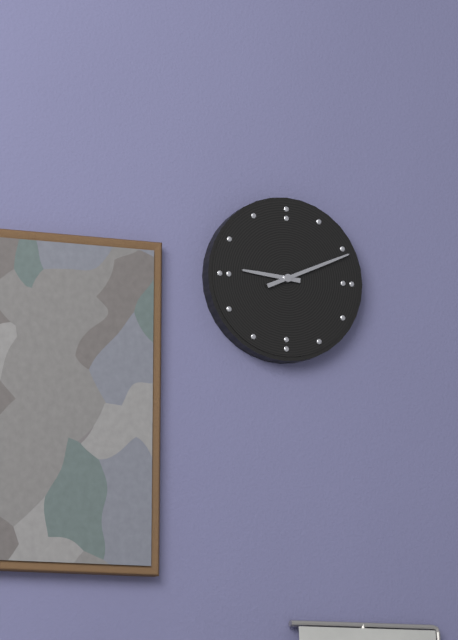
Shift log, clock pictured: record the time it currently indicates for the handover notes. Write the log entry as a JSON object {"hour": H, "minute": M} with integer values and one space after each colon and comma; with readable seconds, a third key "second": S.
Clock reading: {"hour": 9, "minute": 11}
